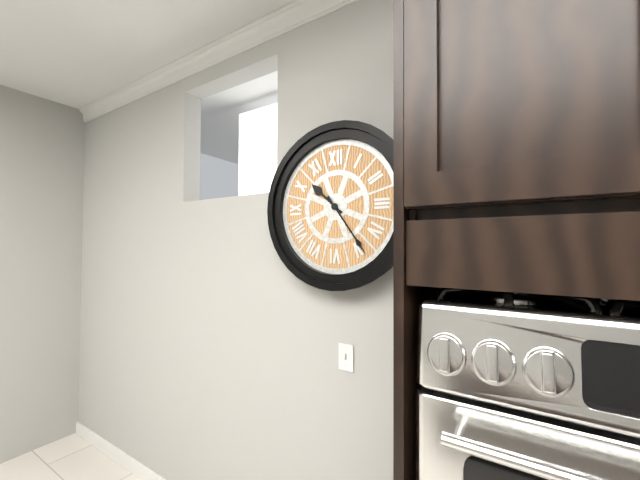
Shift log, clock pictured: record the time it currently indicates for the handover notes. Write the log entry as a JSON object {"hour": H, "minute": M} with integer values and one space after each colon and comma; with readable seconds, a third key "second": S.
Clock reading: {"hour": 10, "minute": 24}
